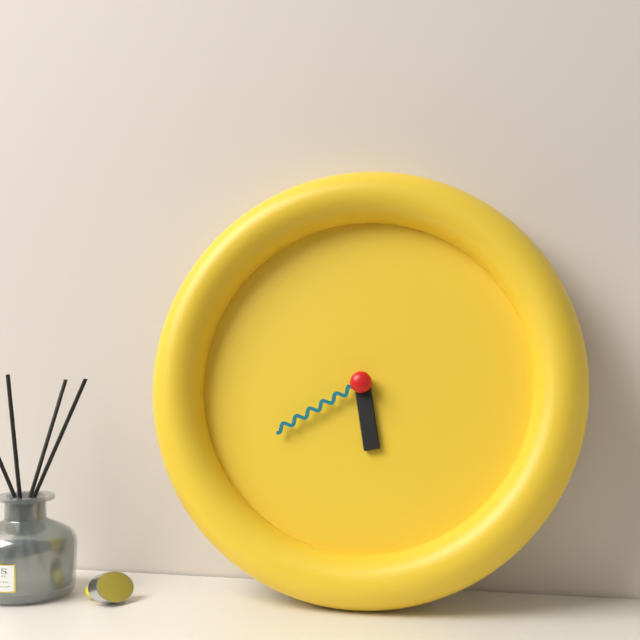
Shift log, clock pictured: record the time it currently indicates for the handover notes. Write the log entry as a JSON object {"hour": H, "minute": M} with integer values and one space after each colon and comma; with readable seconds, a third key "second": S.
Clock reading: {"hour": 5, "minute": 40}
